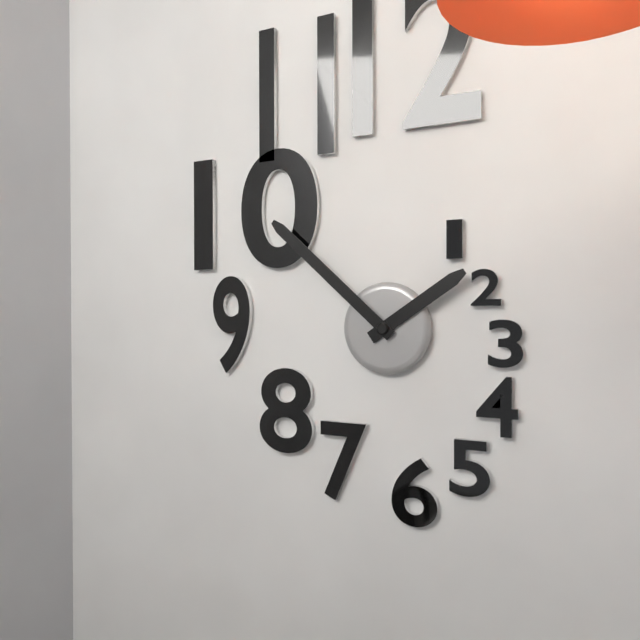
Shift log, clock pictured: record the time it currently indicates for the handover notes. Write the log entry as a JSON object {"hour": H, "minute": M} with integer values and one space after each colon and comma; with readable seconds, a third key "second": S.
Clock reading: {"hour": 1, "minute": 52}
